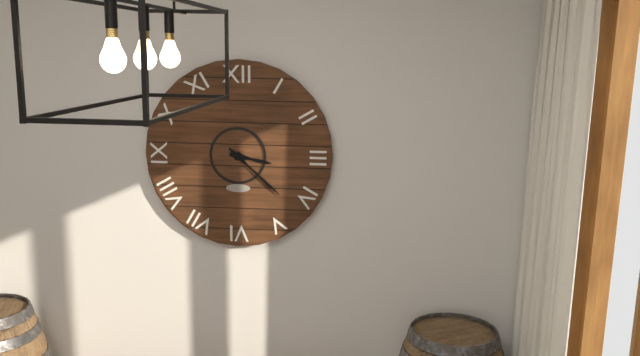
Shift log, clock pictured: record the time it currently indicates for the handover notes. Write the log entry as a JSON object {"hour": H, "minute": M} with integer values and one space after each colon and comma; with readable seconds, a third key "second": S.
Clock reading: {"hour": 3, "minute": 22}
